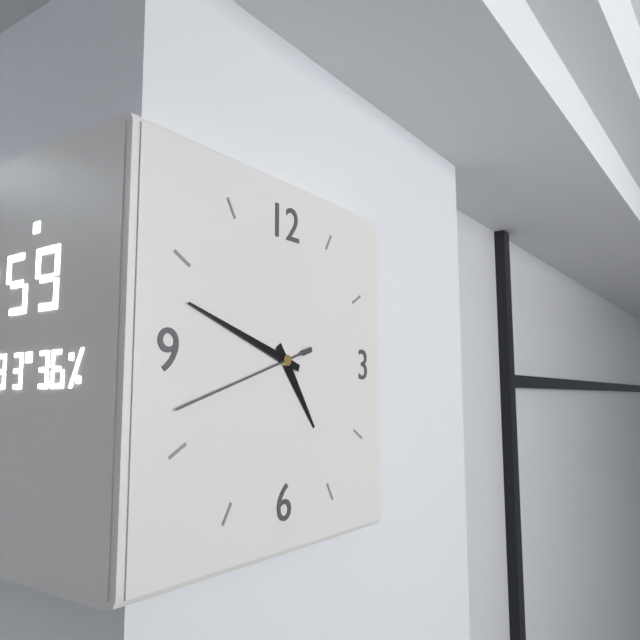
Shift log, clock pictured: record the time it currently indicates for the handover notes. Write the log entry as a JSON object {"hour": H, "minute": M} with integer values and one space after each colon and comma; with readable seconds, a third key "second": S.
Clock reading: {"hour": 4, "minute": 48, "second": 42}
